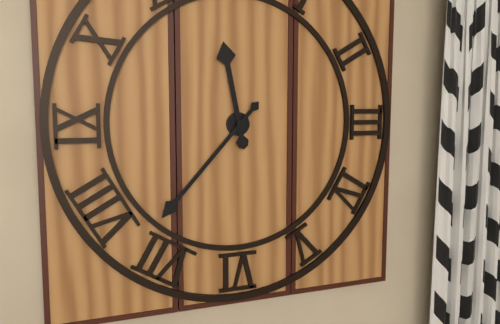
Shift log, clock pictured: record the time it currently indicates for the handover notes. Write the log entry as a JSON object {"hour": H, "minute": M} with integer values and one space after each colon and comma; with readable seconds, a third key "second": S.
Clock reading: {"hour": 11, "minute": 37}
